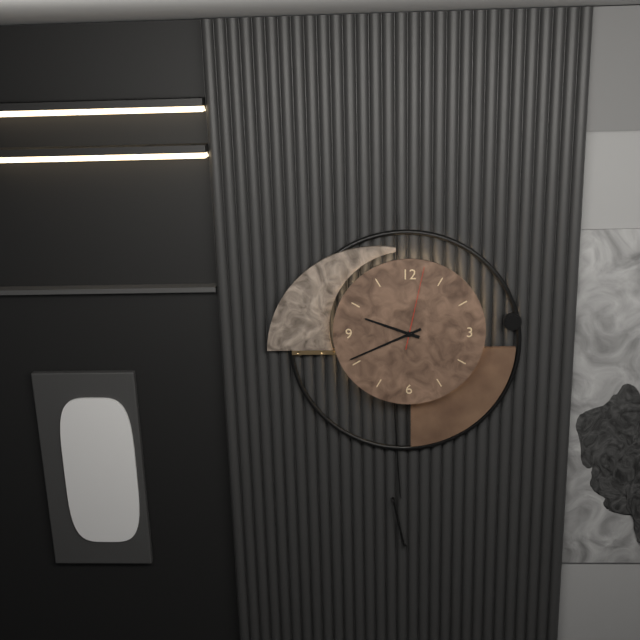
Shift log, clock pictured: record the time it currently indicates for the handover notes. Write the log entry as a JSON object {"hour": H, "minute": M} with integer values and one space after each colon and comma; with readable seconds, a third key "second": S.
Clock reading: {"hour": 9, "minute": 41, "second": 2}
